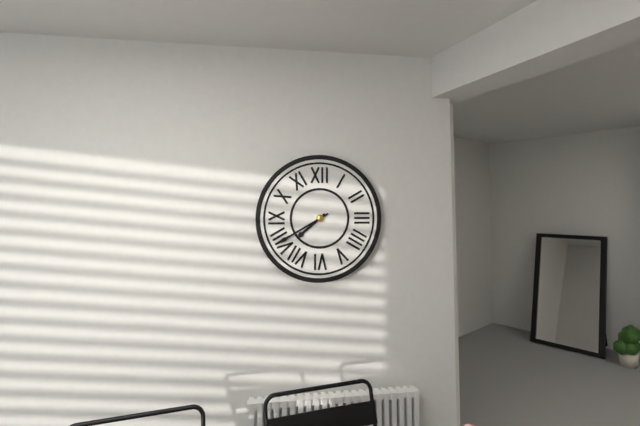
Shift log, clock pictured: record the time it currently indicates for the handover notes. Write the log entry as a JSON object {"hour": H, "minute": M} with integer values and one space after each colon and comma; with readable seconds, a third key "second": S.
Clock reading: {"hour": 7, "minute": 40}
